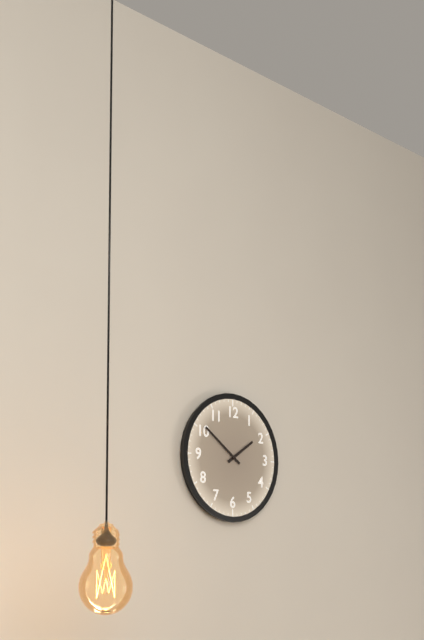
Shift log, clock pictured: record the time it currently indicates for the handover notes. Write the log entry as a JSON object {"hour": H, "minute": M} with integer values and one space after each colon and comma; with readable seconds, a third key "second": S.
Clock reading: {"hour": 1, "minute": 51}
